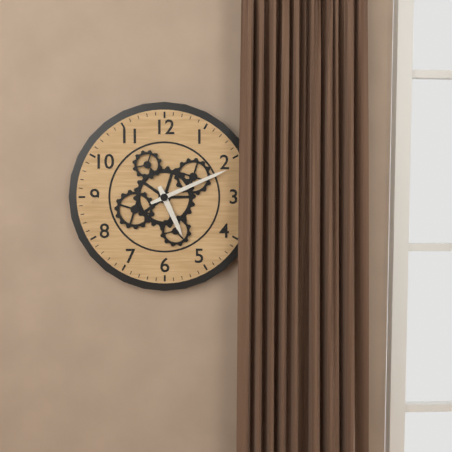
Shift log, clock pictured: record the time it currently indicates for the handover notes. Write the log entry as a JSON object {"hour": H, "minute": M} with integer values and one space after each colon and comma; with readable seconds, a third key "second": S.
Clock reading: {"hour": 5, "minute": 11}
